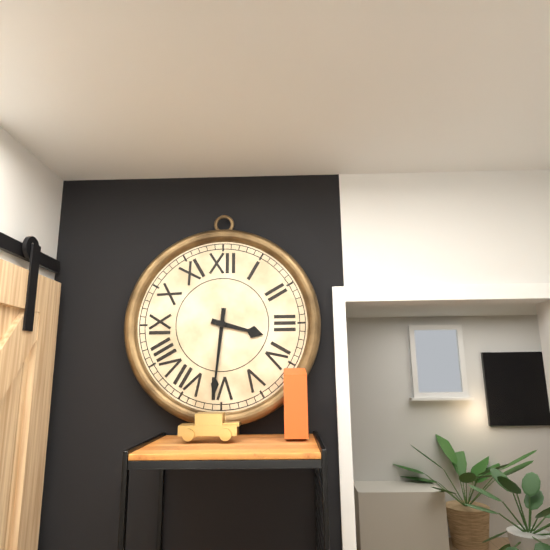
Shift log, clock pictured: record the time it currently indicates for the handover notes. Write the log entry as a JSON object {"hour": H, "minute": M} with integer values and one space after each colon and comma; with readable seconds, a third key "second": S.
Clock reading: {"hour": 3, "minute": 31}
